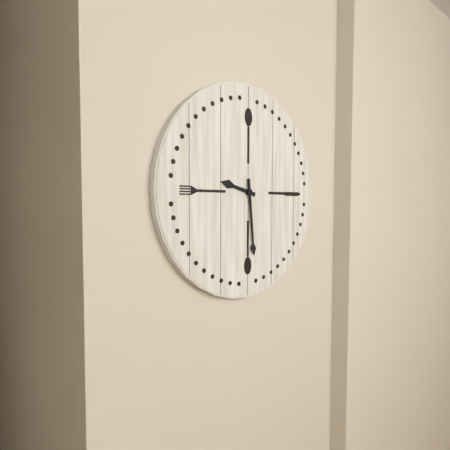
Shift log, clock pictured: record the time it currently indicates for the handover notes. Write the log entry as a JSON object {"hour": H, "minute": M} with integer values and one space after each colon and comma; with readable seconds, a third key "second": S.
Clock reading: {"hour": 9, "minute": 29}
